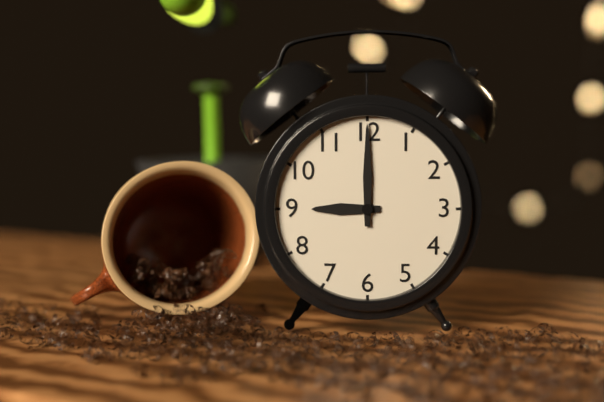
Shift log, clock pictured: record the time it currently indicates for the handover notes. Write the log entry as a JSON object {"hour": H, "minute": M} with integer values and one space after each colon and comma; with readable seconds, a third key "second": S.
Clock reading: {"hour": 9, "minute": 0}
